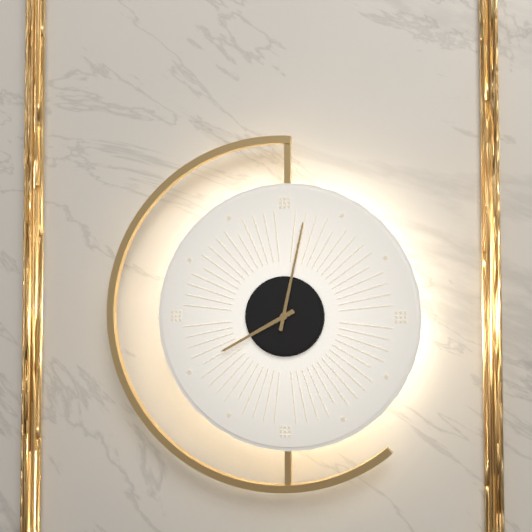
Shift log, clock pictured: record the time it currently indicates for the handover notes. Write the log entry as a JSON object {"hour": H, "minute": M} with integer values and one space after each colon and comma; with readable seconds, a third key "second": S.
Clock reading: {"hour": 8, "minute": 2}
